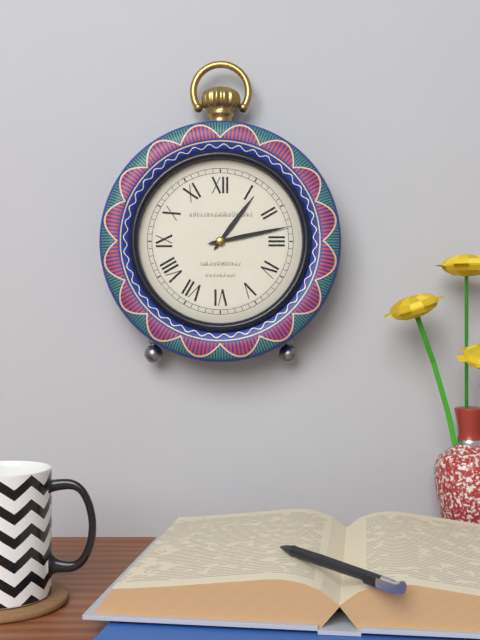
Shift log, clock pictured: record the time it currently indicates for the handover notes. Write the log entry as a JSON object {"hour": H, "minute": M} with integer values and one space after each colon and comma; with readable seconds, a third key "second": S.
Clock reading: {"hour": 1, "minute": 13}
